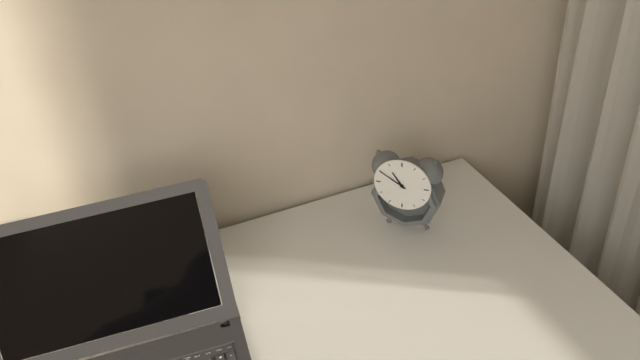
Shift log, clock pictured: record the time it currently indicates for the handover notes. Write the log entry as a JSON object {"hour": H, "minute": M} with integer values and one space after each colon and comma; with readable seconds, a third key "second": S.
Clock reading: {"hour": 10, "minute": 50}
